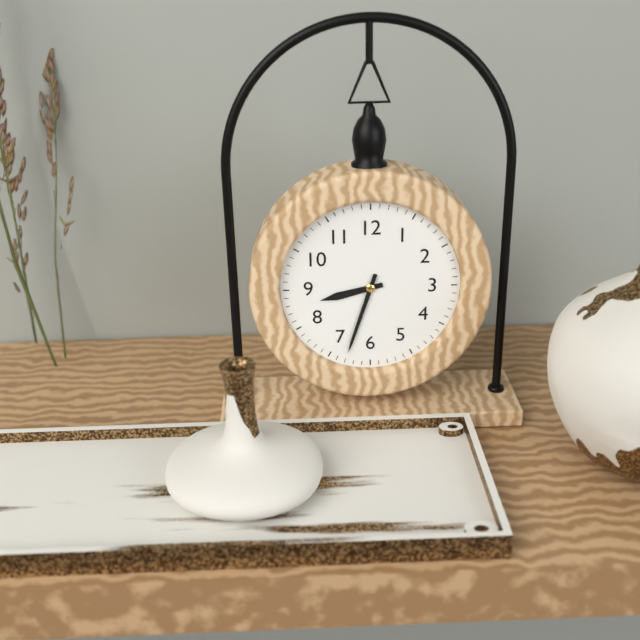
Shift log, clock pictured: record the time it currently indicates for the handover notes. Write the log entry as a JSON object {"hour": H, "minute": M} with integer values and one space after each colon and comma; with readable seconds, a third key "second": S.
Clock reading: {"hour": 8, "minute": 33}
